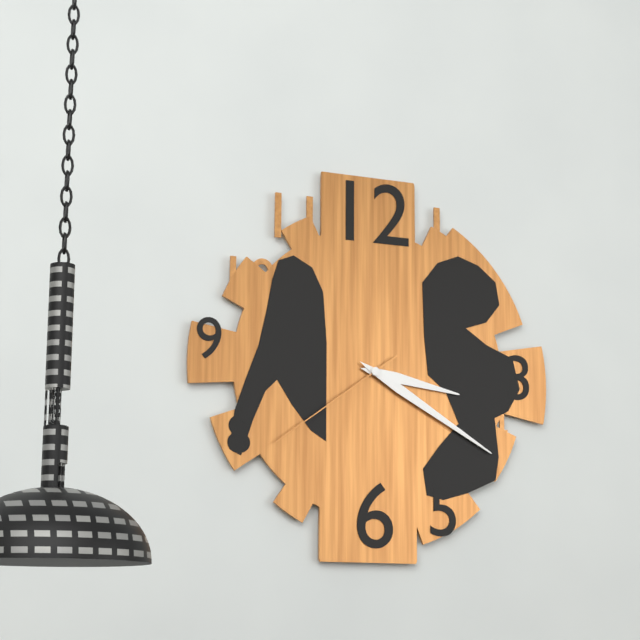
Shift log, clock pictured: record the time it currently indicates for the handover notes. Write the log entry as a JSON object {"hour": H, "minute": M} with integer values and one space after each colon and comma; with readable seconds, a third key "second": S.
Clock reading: {"hour": 3, "minute": 20, "second": 39}
